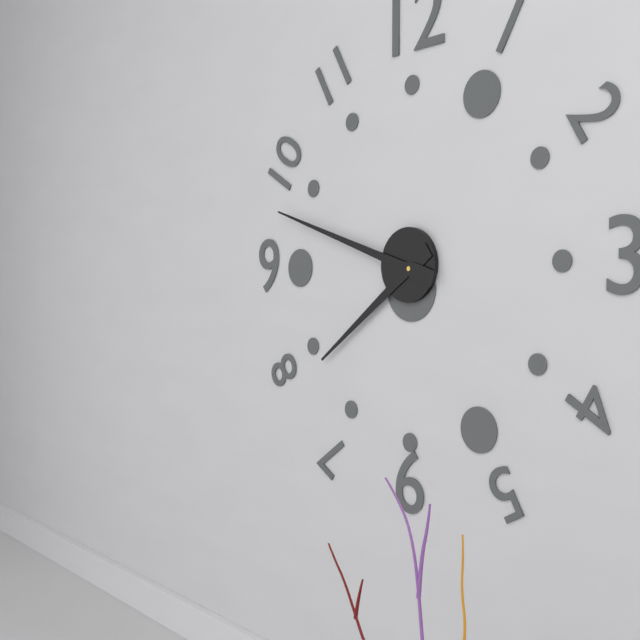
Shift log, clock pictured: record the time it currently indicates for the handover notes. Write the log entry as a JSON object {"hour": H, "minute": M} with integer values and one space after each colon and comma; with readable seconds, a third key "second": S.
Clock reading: {"hour": 7, "minute": 48}
